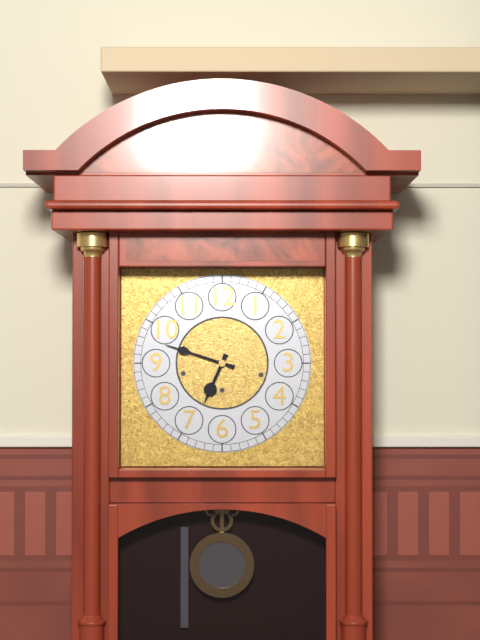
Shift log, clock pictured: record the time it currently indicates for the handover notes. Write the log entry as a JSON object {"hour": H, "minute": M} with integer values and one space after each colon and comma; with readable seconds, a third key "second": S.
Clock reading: {"hour": 6, "minute": 48}
